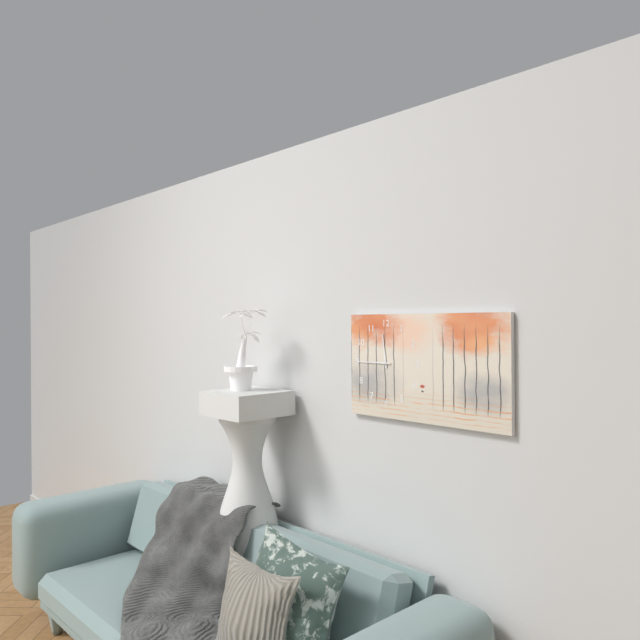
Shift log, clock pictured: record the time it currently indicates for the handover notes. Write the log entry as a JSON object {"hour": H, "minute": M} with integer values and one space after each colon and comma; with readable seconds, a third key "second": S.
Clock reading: {"hour": 11, "minute": 45}
